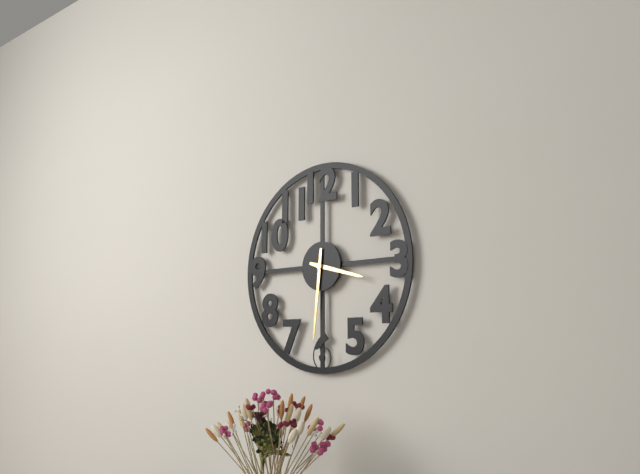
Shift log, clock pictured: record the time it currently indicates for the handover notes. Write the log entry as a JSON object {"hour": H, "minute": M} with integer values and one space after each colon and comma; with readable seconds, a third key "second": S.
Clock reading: {"hour": 3, "minute": 31}
